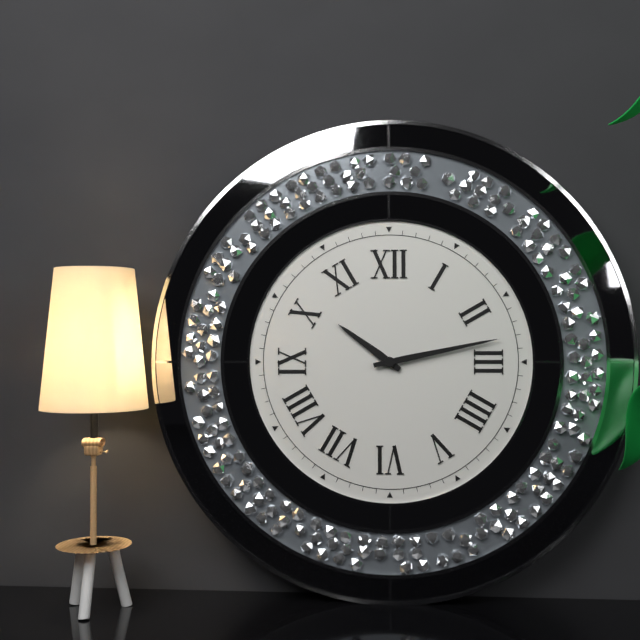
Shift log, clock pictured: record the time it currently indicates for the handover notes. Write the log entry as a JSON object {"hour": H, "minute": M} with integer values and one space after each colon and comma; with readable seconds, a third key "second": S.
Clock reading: {"hour": 10, "minute": 13}
